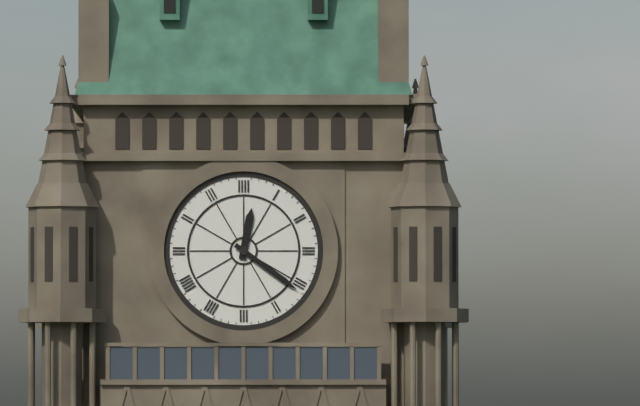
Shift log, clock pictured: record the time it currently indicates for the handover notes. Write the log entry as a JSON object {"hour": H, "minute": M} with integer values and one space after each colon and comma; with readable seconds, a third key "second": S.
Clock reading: {"hour": 12, "minute": 21}
